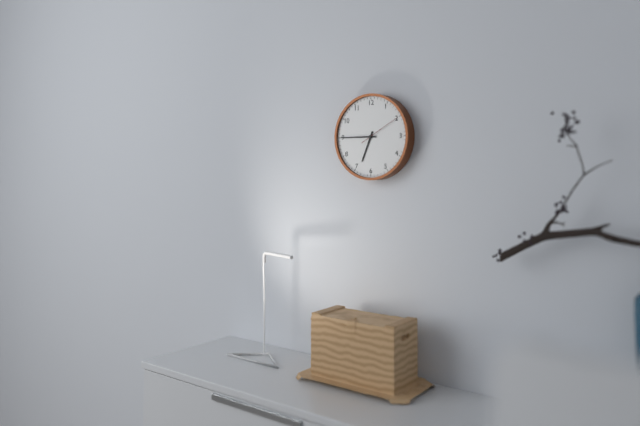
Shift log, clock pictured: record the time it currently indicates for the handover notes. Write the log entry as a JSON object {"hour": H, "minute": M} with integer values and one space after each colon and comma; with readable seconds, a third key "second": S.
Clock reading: {"hour": 6, "minute": 45}
